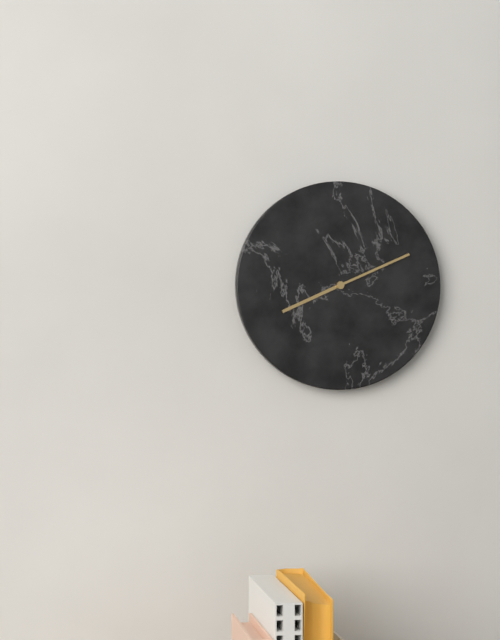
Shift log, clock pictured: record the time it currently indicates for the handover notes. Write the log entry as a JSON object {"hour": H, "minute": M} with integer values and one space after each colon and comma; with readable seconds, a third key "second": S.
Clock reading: {"hour": 8, "minute": 11}
